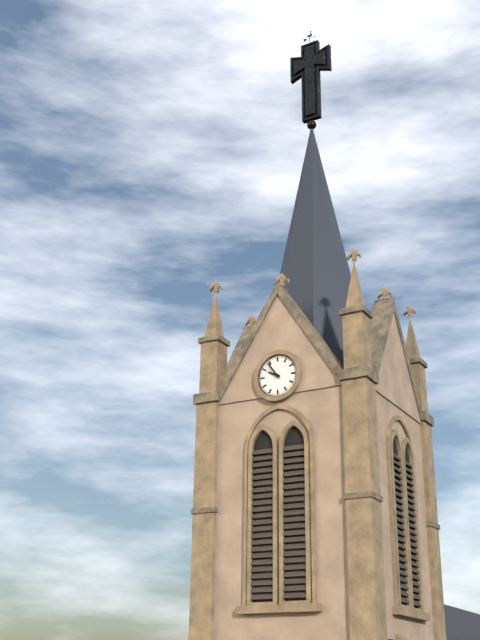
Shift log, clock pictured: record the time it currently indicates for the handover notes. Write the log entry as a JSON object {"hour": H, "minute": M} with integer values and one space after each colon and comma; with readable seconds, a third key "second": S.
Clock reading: {"hour": 9, "minute": 54}
